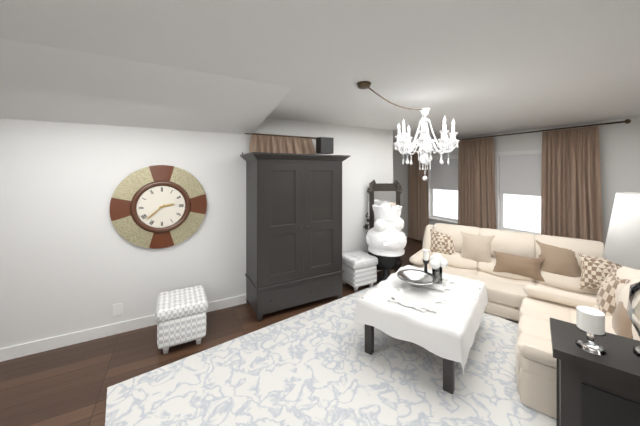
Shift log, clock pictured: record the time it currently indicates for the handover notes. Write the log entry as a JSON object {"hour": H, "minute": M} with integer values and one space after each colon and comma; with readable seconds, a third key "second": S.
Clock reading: {"hour": 2, "minute": 38}
